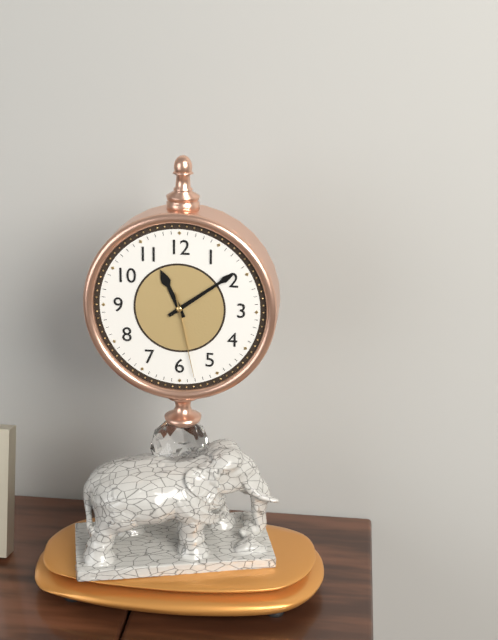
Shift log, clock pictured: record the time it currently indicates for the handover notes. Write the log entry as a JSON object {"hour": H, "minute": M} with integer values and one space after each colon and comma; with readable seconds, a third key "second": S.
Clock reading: {"hour": 11, "minute": 9, "second": 28}
